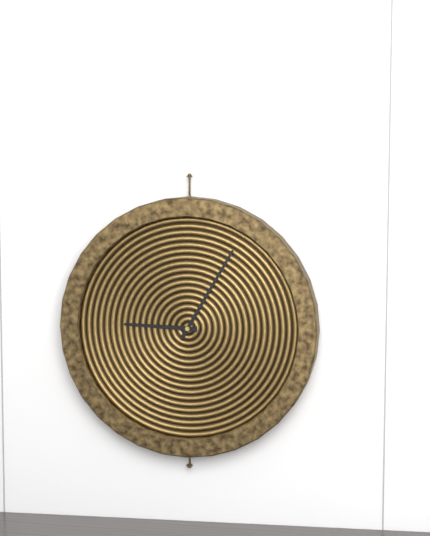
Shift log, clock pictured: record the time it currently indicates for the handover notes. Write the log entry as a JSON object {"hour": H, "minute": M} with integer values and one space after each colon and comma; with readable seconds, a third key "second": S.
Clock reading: {"hour": 9, "minute": 5}
